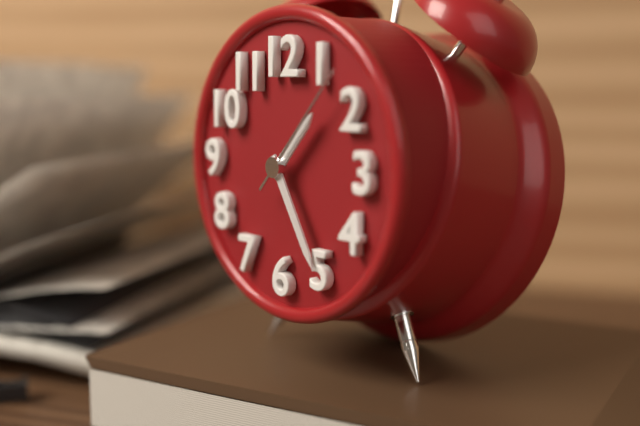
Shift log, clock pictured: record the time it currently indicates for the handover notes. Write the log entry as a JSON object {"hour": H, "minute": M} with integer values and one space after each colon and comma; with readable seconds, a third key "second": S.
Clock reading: {"hour": 1, "minute": 25, "second": 7}
